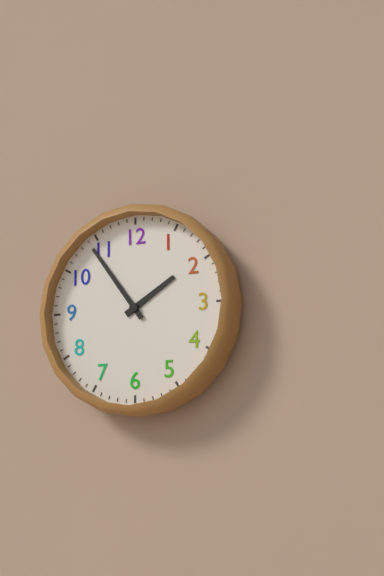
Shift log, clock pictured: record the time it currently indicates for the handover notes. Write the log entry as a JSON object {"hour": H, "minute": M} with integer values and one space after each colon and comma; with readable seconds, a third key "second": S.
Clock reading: {"hour": 1, "minute": 54}
